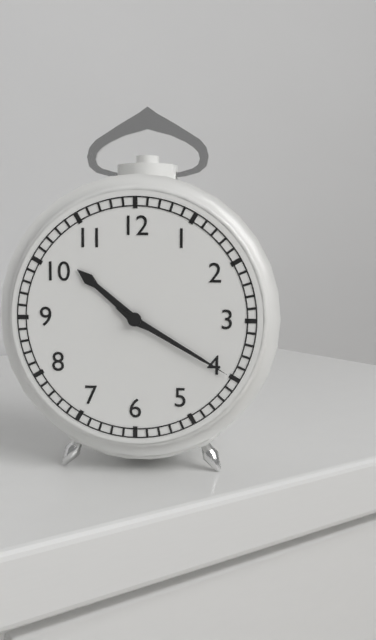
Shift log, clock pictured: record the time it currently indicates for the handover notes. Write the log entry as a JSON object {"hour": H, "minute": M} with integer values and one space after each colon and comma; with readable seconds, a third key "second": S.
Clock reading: {"hour": 10, "minute": 20}
